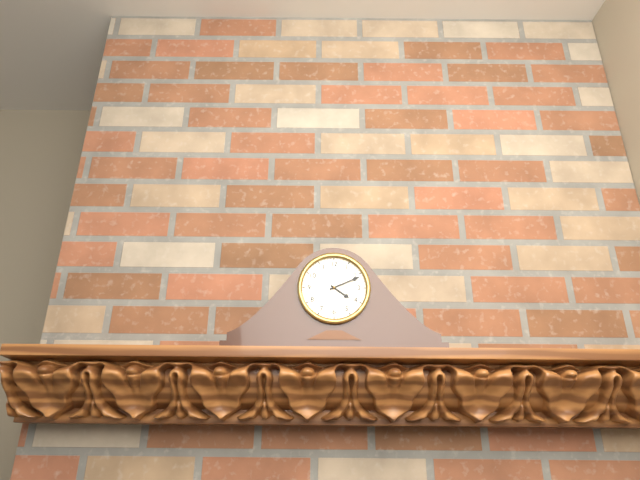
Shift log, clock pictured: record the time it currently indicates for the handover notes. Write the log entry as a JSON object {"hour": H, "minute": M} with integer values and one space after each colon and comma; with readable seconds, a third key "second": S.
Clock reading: {"hour": 4, "minute": 11}
